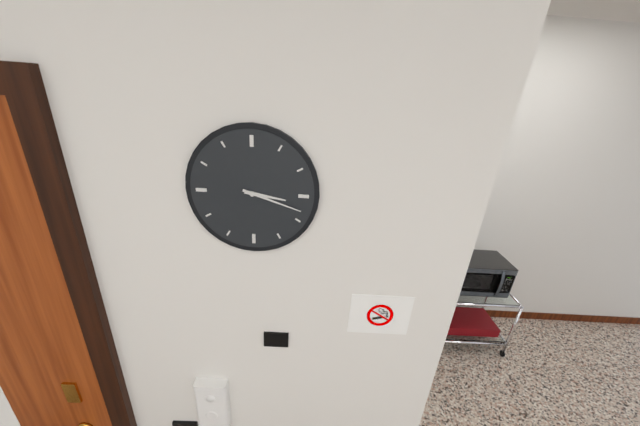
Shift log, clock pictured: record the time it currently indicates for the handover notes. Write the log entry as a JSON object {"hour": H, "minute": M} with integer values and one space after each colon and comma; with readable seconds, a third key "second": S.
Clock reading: {"hour": 3, "minute": 18}
